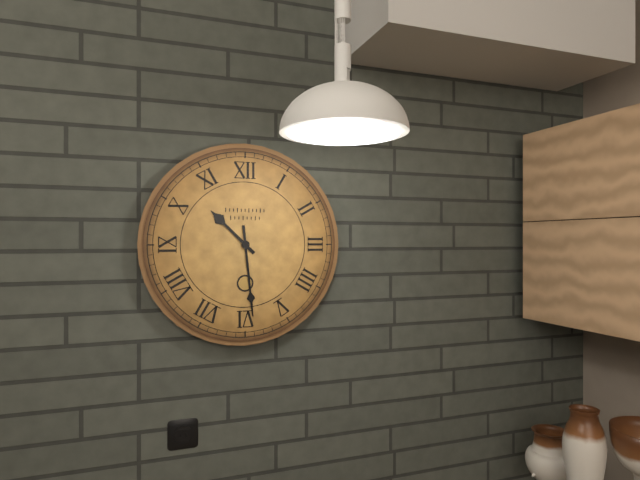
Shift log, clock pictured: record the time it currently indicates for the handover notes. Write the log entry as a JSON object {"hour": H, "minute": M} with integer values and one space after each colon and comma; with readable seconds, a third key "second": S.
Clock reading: {"hour": 10, "minute": 29}
